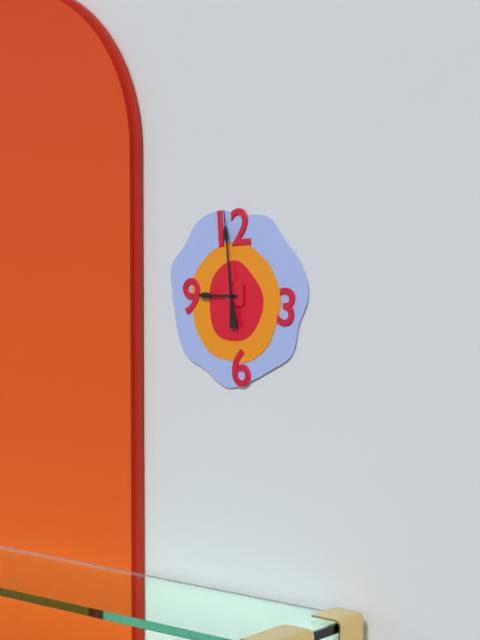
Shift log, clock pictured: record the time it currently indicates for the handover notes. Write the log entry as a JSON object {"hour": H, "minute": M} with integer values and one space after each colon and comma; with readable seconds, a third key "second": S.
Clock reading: {"hour": 8, "minute": 59}
